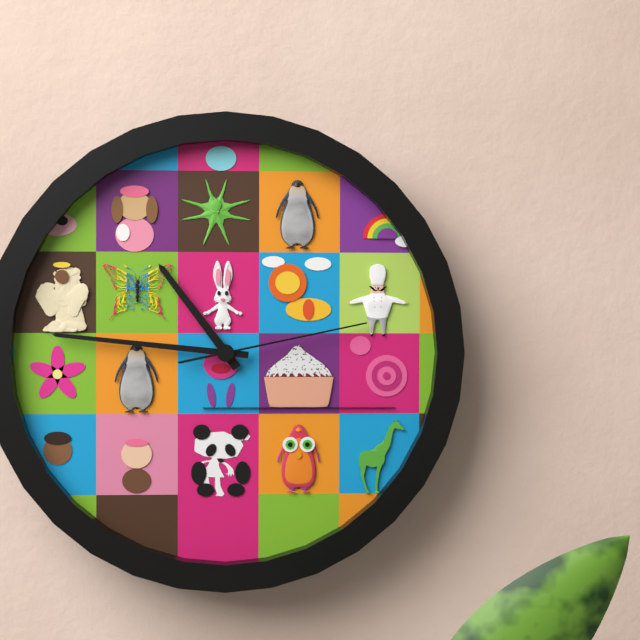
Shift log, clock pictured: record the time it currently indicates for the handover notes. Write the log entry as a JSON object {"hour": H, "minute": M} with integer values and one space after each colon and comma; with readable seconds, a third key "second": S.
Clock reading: {"hour": 10, "minute": 46, "second": 13}
